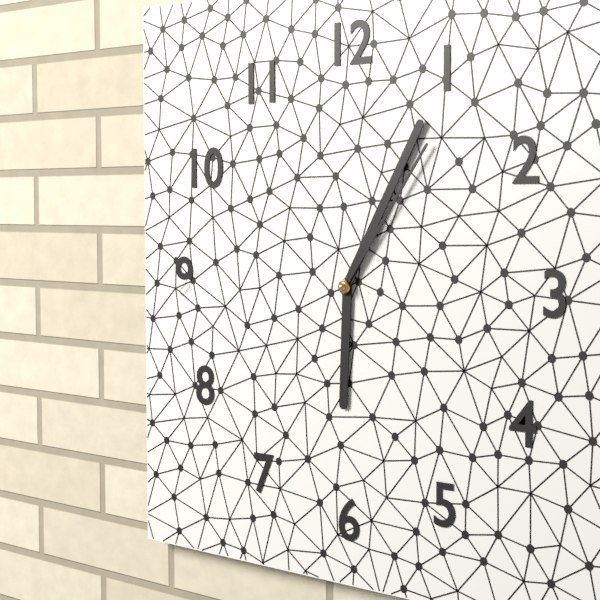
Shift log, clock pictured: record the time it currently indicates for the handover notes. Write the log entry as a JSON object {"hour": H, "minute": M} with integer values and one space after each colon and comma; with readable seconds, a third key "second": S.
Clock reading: {"hour": 6, "minute": 5, "second": 6}
